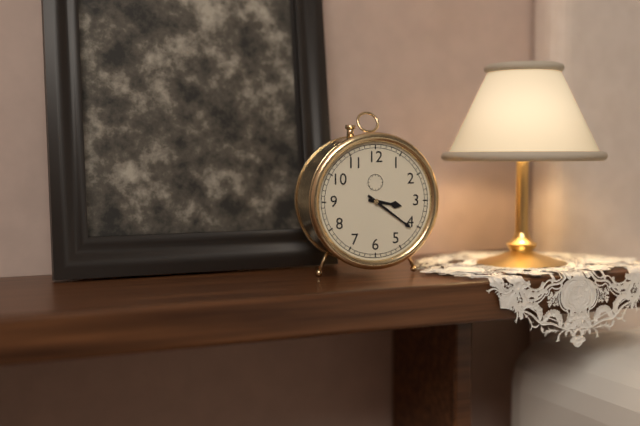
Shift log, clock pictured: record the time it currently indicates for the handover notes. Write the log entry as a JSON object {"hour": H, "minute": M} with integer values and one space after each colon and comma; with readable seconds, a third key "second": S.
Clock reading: {"hour": 3, "minute": 21}
